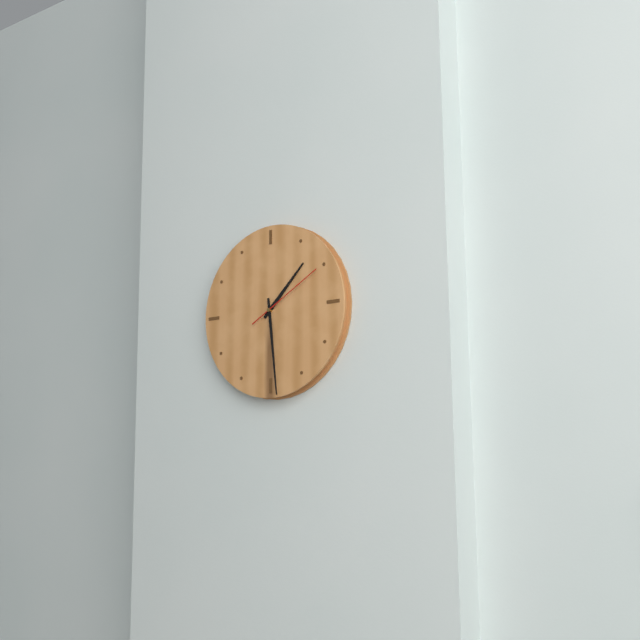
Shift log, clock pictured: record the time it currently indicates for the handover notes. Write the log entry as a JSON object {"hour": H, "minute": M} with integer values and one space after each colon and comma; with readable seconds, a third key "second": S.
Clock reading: {"hour": 1, "minute": 29, "second": 10}
